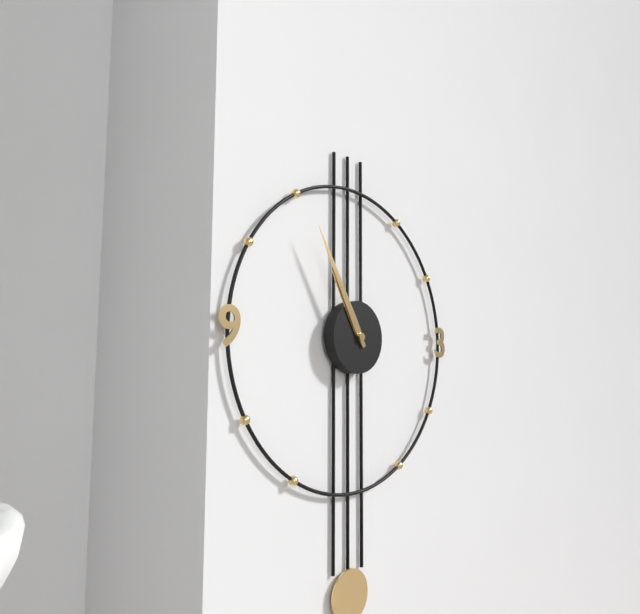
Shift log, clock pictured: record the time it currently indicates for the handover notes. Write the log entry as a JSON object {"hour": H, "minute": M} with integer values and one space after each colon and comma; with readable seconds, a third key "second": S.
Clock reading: {"hour": 10, "minute": 55}
